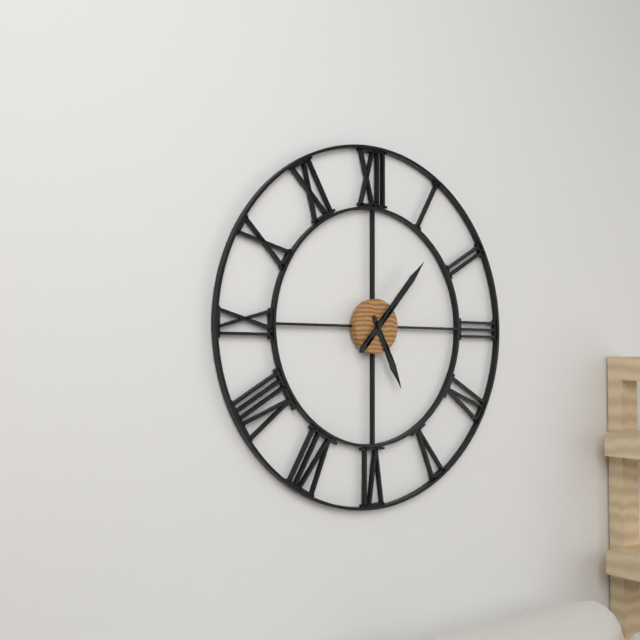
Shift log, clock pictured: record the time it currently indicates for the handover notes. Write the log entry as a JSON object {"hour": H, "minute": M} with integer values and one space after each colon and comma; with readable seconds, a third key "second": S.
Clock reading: {"hour": 5, "minute": 7}
